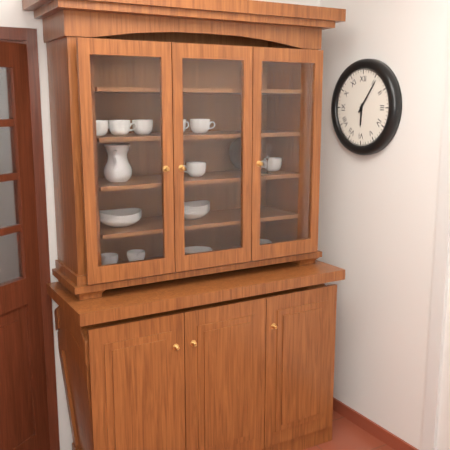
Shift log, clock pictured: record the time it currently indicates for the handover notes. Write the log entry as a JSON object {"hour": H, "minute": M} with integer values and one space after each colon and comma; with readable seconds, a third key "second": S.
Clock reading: {"hour": 6, "minute": 6}
